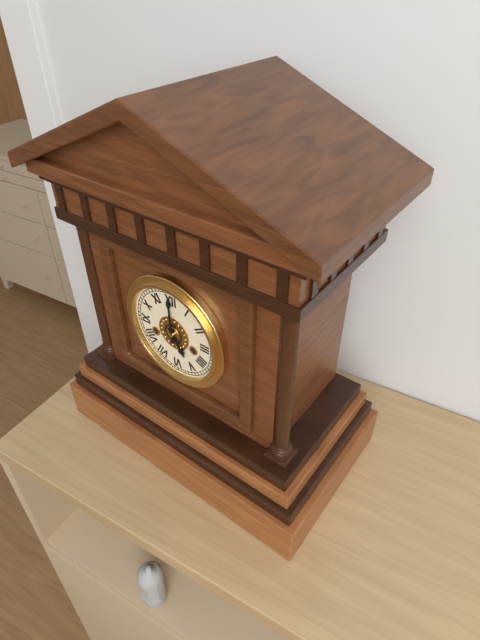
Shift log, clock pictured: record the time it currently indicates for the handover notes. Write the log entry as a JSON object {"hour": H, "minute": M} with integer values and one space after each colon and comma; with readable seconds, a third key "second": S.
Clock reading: {"hour": 5, "minute": 0}
